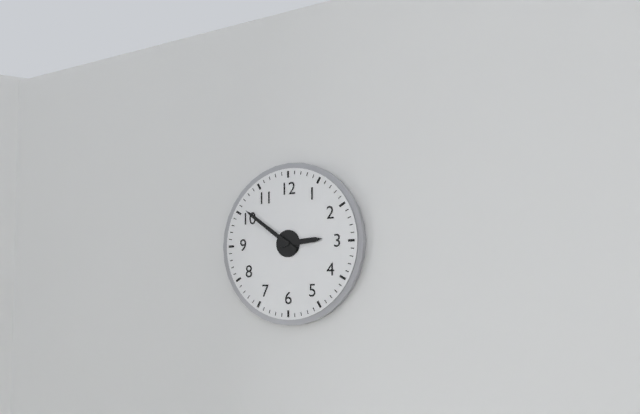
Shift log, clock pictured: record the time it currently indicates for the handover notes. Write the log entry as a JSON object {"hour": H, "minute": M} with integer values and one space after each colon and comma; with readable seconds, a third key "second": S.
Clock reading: {"hour": 2, "minute": 51}
